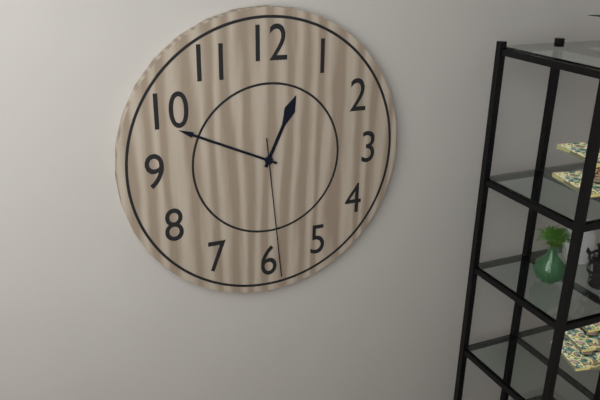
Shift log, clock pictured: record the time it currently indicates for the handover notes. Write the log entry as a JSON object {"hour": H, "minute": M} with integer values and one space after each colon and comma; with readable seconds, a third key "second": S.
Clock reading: {"hour": 12, "minute": 49, "second": 29}
